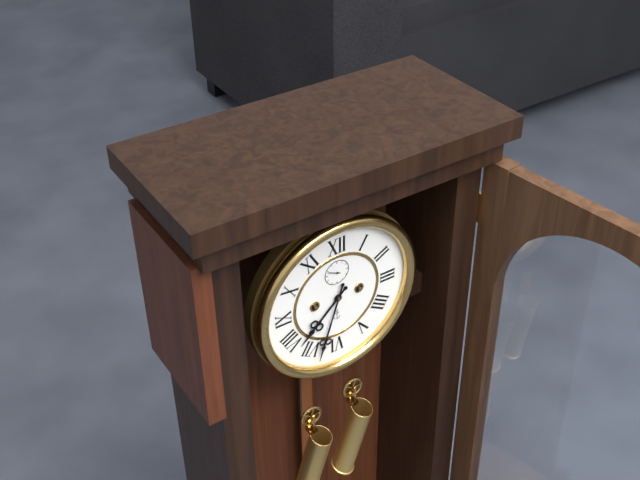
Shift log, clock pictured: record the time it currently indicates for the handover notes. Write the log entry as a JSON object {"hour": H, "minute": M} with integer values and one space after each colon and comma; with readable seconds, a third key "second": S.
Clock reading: {"hour": 7, "minute": 33}
